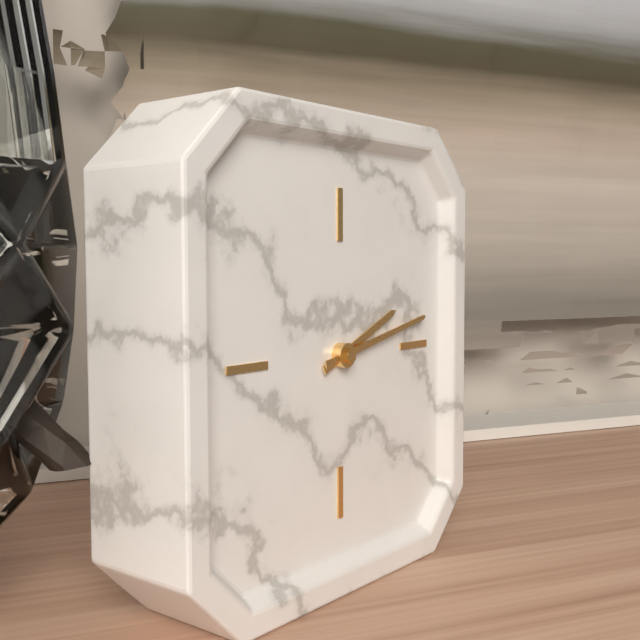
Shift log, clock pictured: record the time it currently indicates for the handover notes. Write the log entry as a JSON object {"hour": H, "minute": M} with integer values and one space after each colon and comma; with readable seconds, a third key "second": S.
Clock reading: {"hour": 2, "minute": 13}
